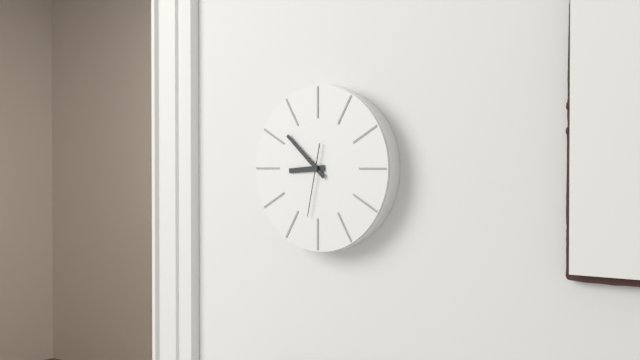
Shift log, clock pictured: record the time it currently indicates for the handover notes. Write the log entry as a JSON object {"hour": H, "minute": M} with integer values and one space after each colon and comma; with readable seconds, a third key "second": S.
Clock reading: {"hour": 8, "minute": 52, "second": 32}
